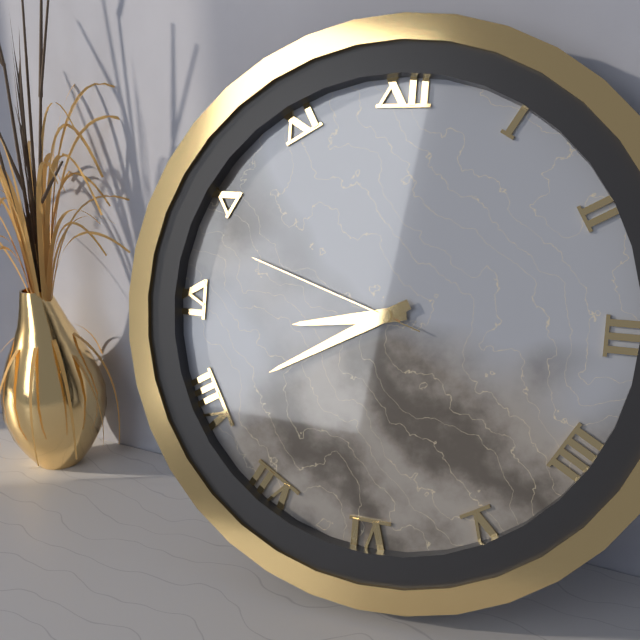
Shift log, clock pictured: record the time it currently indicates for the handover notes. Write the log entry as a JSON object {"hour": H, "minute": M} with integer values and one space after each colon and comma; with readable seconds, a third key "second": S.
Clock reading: {"hour": 8, "minute": 40, "second": 48}
